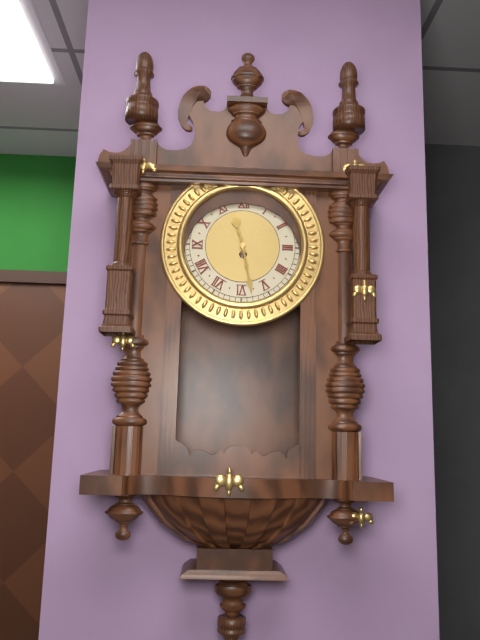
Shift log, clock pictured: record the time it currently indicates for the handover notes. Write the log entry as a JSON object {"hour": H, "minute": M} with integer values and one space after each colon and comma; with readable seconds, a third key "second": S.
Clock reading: {"hour": 11, "minute": 28}
